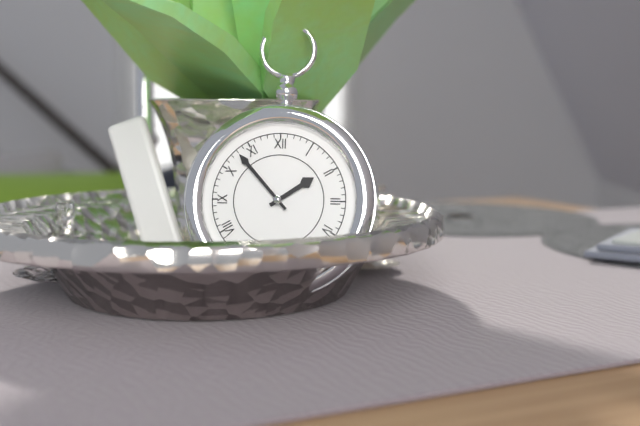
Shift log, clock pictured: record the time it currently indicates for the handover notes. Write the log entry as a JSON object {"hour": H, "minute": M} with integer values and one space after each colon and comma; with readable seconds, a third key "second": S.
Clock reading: {"hour": 1, "minute": 53}
